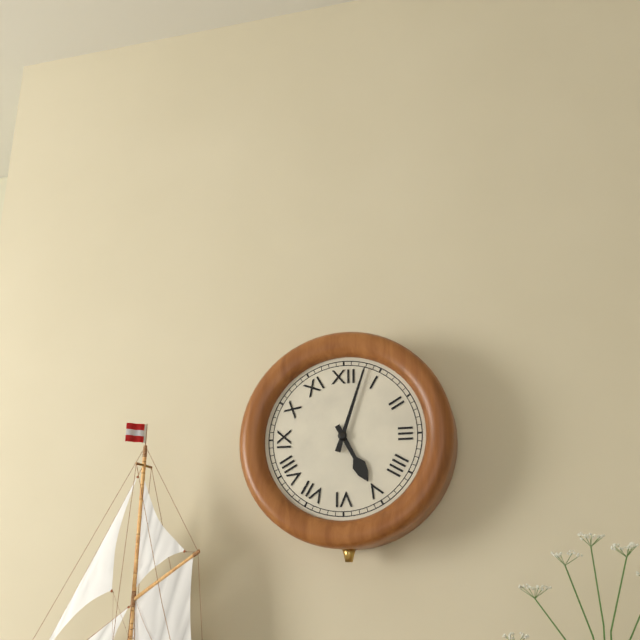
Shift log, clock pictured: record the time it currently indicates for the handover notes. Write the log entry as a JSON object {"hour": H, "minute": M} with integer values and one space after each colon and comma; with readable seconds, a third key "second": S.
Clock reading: {"hour": 5, "minute": 3}
